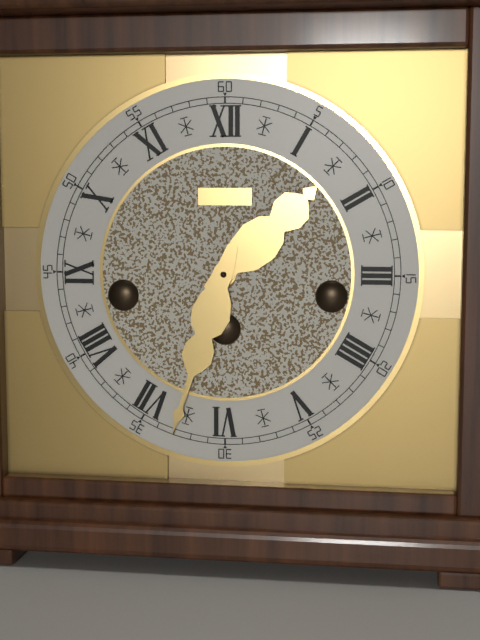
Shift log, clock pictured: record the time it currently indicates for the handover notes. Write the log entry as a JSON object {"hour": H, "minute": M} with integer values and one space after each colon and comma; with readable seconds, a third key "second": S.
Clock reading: {"hour": 1, "minute": 33}
